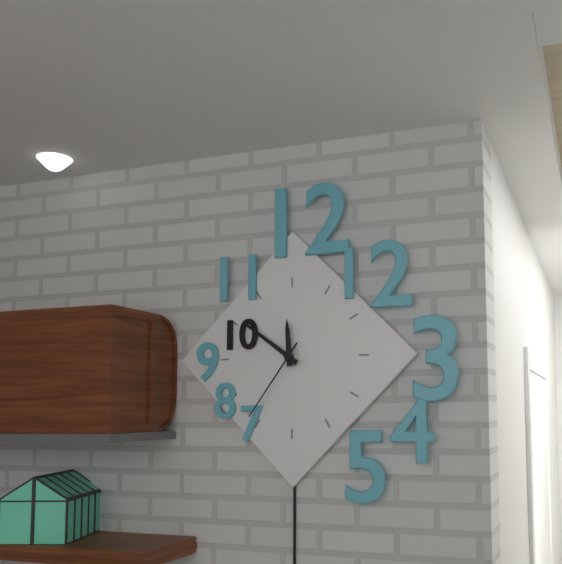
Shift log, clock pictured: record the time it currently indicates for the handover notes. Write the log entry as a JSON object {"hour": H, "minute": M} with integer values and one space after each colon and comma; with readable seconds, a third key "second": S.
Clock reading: {"hour": 11, "minute": 51, "second": 36}
